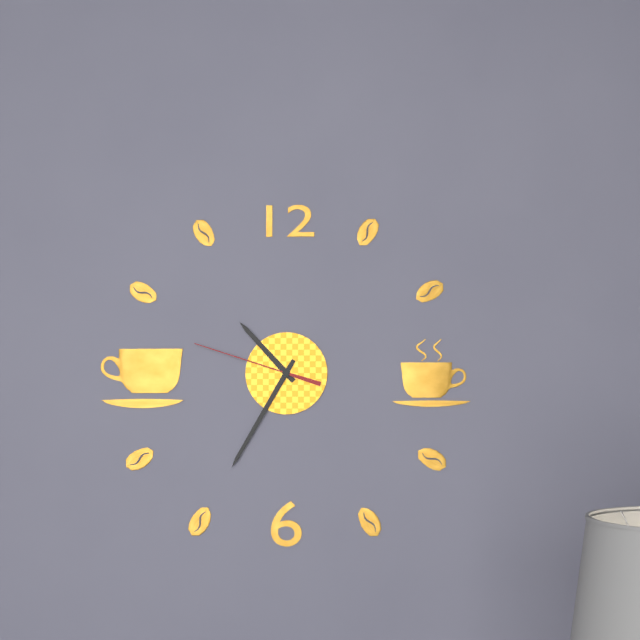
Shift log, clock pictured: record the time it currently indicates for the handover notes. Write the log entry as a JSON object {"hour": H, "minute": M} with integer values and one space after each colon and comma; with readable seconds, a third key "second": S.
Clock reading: {"hour": 10, "minute": 35, "second": 48}
